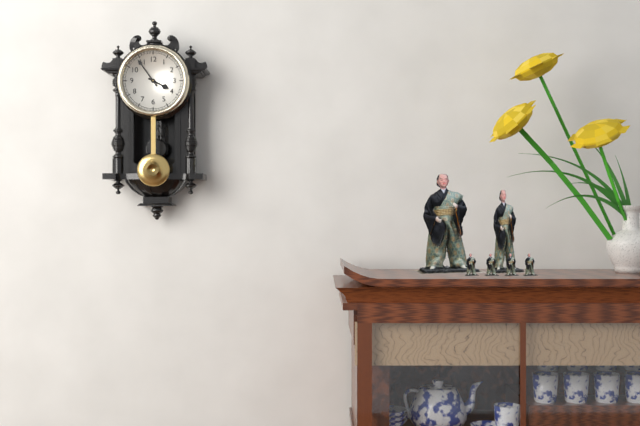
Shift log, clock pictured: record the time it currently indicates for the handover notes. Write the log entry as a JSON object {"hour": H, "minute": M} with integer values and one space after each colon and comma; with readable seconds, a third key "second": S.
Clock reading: {"hour": 3, "minute": 54}
